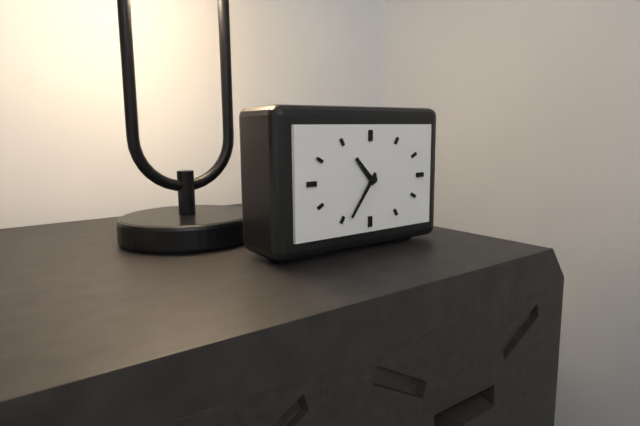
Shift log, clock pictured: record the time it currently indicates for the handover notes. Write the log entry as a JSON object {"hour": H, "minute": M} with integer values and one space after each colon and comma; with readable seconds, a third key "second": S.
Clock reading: {"hour": 10, "minute": 36}
